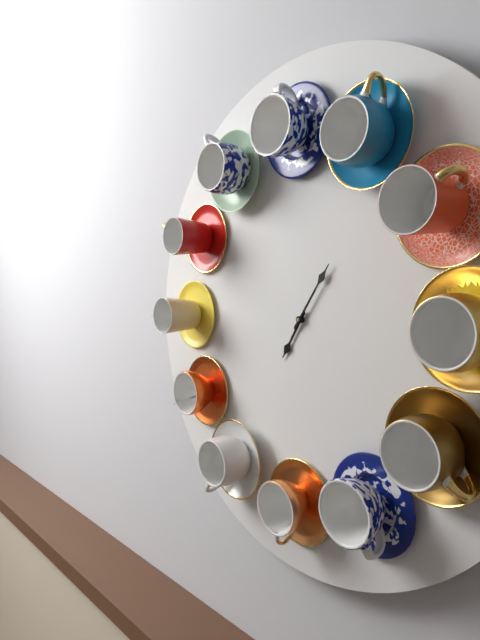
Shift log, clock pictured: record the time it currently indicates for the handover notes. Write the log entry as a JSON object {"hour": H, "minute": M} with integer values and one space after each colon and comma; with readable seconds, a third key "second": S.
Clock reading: {"hour": 7, "minute": 6}
